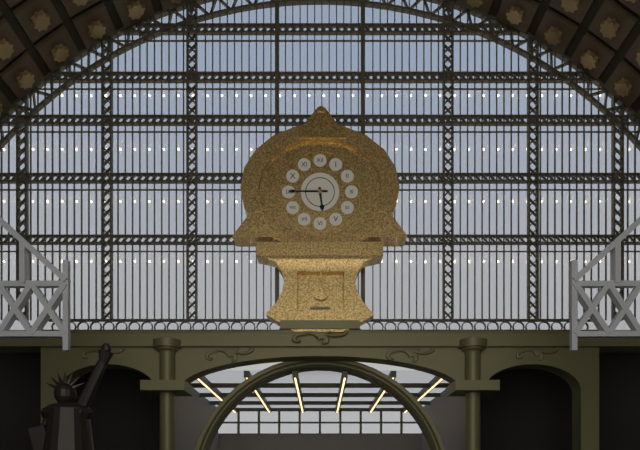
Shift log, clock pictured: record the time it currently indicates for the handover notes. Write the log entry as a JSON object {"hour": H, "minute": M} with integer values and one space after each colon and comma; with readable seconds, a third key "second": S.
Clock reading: {"hour": 5, "minute": 45}
